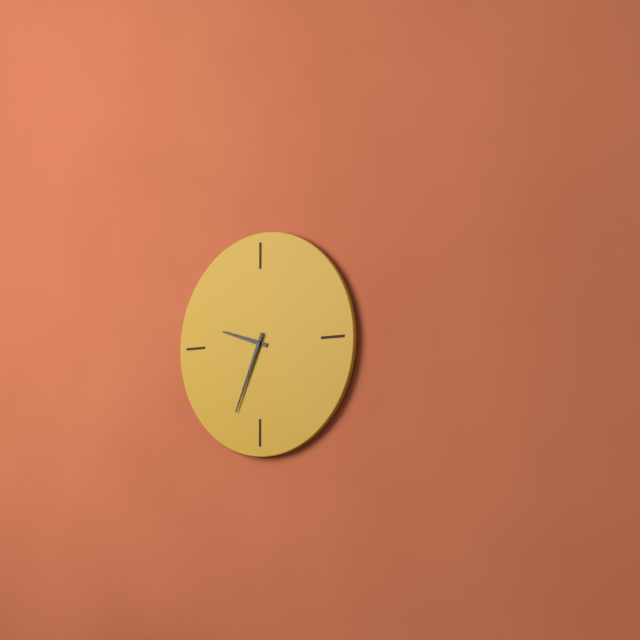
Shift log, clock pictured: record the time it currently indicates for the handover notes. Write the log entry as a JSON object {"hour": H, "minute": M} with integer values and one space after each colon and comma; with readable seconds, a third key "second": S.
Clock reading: {"hour": 9, "minute": 34}
